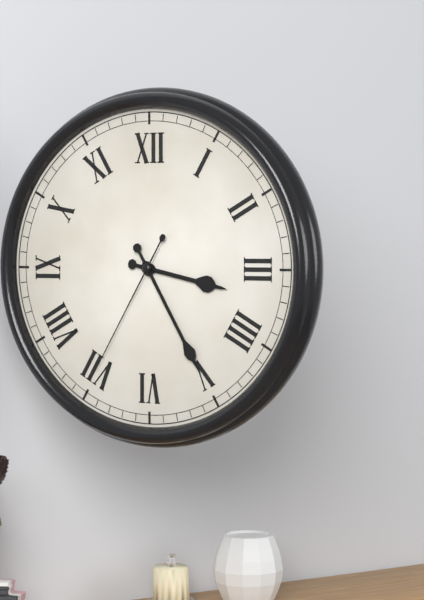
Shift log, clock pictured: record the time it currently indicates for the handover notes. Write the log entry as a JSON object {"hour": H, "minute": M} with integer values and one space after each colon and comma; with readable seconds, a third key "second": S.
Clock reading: {"hour": 3, "minute": 25, "second": 35}
